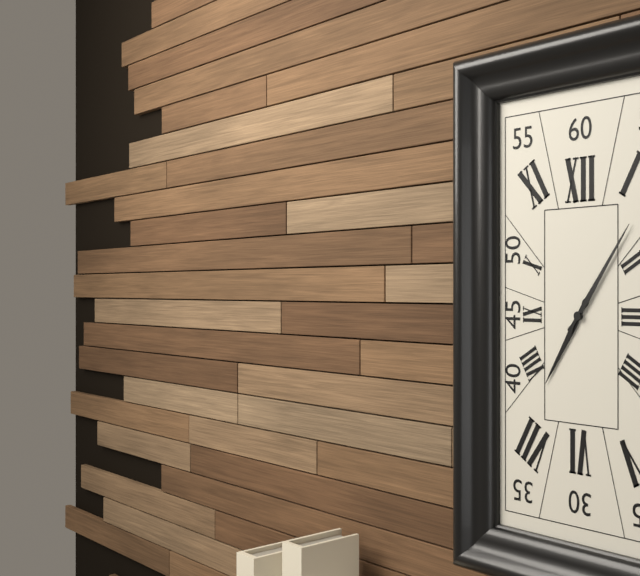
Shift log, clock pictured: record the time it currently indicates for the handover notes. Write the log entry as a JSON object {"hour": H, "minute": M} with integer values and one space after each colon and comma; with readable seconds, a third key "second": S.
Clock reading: {"hour": 7, "minute": 6}
